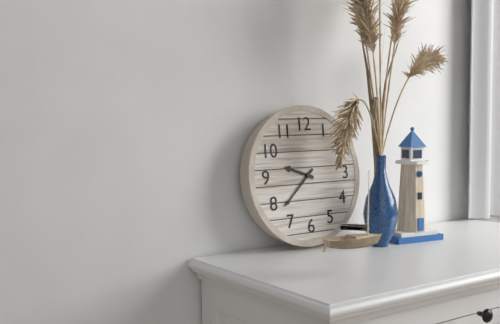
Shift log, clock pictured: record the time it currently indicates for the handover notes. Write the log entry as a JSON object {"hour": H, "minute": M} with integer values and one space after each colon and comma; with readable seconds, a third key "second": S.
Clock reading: {"hour": 9, "minute": 38}
